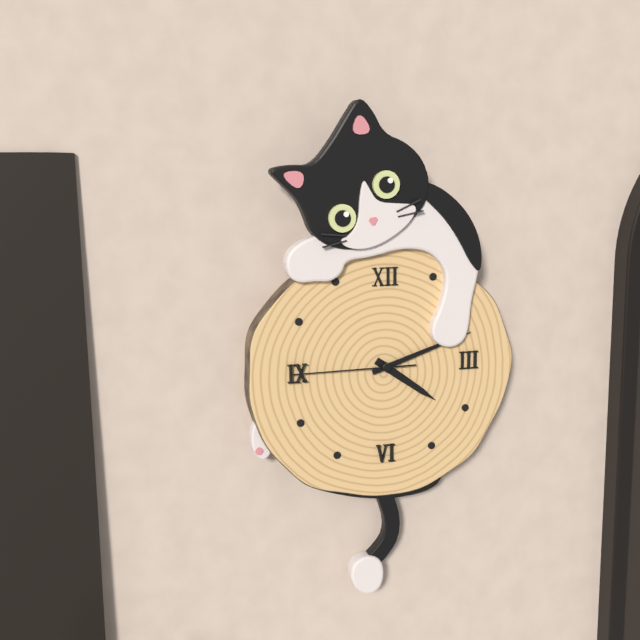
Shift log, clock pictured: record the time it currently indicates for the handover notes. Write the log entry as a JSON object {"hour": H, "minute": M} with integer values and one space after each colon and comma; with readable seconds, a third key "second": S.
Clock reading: {"hour": 4, "minute": 12, "second": 45}
